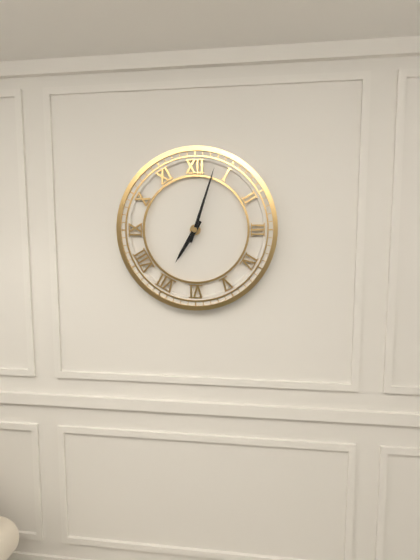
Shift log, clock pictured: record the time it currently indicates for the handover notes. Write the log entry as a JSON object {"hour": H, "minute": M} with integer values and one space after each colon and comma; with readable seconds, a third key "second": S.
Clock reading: {"hour": 7, "minute": 3}
